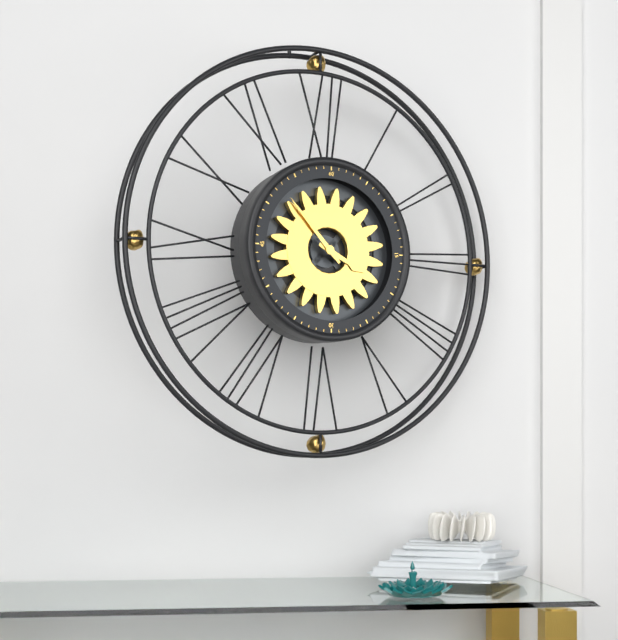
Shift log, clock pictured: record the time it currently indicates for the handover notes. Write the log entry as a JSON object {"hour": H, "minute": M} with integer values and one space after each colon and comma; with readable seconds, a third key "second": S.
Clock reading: {"hour": 3, "minute": 53}
